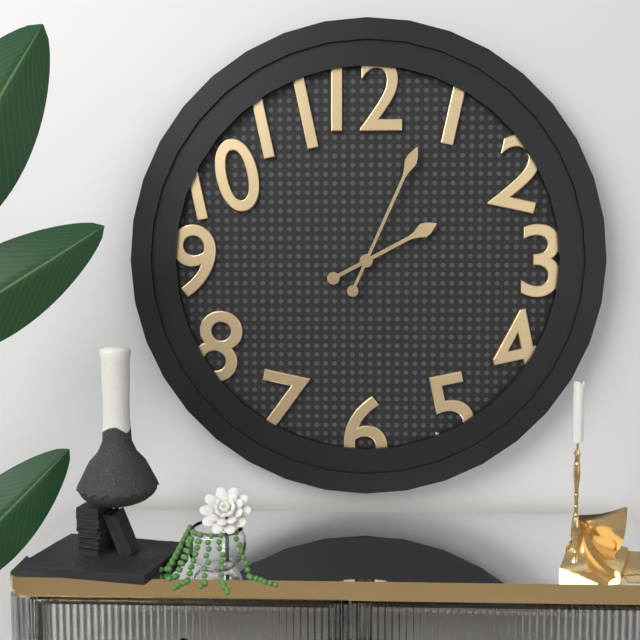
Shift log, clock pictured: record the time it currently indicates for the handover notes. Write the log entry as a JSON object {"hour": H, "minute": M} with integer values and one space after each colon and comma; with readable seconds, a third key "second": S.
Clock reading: {"hour": 2, "minute": 4}
